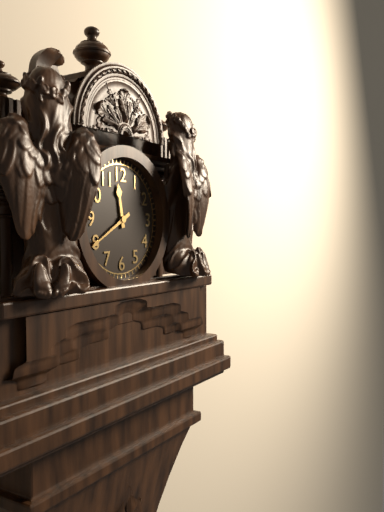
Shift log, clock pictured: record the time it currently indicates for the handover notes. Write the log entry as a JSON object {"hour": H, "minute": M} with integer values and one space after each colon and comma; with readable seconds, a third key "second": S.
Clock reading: {"hour": 11, "minute": 40}
